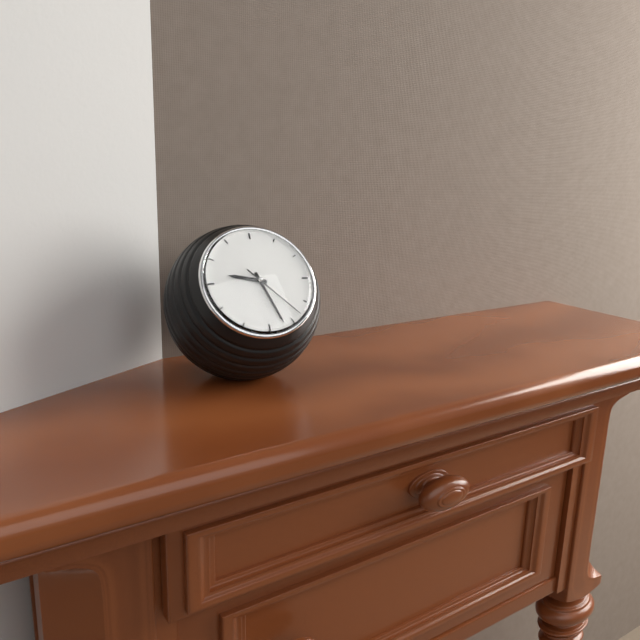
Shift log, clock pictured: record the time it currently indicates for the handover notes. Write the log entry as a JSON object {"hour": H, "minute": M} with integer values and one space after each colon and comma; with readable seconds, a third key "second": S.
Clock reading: {"hour": 9, "minute": 27, "second": 23}
